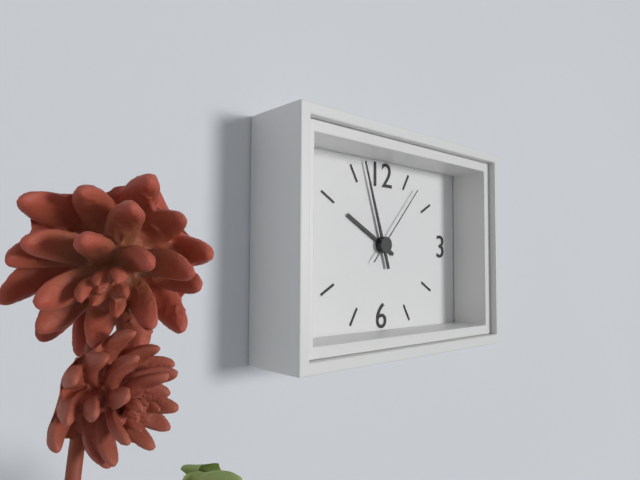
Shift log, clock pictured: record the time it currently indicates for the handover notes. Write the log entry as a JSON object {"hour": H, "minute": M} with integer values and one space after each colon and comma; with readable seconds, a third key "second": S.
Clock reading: {"hour": 9, "minute": 57, "second": 7}
